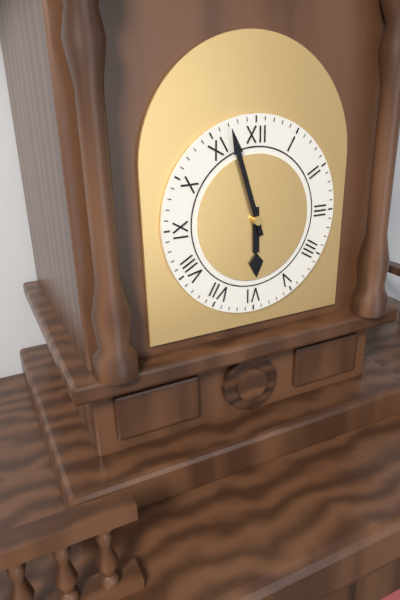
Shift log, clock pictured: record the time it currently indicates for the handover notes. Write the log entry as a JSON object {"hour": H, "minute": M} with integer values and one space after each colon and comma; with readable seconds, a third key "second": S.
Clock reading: {"hour": 5, "minute": 57}
